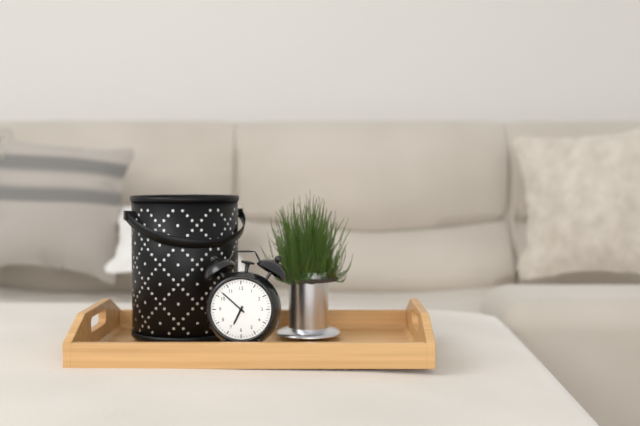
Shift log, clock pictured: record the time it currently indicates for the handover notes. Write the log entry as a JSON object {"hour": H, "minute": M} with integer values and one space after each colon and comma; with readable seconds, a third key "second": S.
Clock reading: {"hour": 6, "minute": 52}
